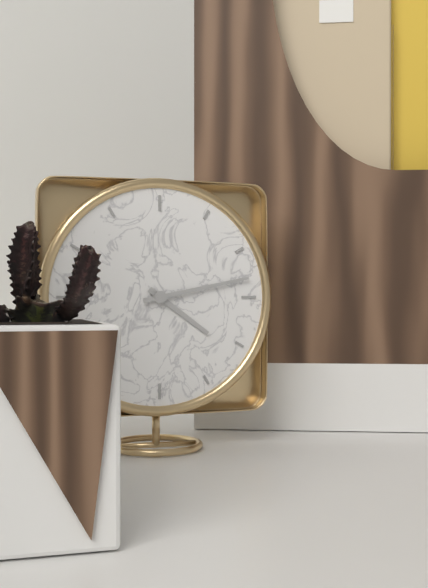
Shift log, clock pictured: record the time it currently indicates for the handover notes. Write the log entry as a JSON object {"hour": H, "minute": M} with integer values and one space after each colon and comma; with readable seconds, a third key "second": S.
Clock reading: {"hour": 4, "minute": 13}
